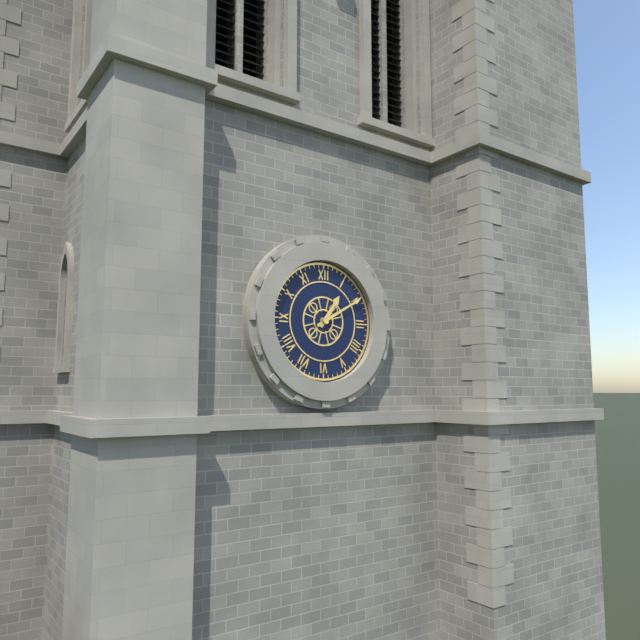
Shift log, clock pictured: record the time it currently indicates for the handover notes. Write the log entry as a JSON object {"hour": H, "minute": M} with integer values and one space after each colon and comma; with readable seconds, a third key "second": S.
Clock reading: {"hour": 1, "minute": 10}
